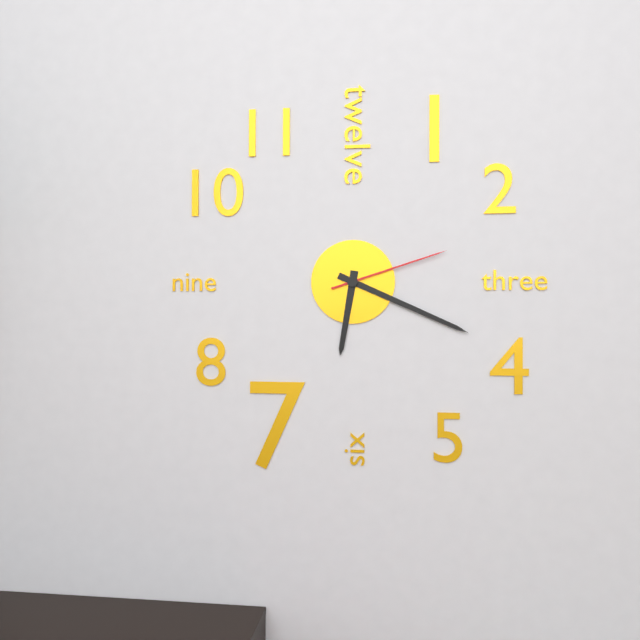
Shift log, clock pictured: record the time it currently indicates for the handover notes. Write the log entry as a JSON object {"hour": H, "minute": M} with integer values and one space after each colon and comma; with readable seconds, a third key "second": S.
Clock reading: {"hour": 6, "minute": 19, "second": 12}
